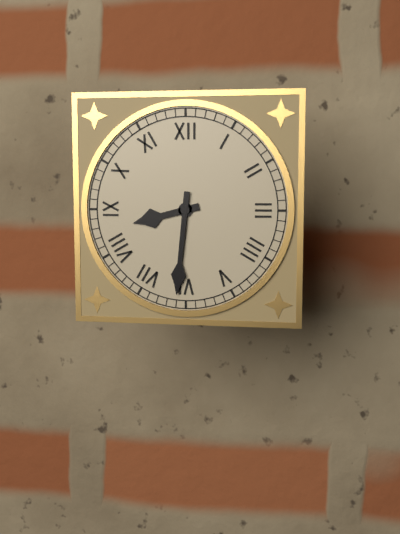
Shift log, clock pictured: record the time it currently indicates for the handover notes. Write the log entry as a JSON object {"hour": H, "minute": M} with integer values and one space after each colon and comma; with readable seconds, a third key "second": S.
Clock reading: {"hour": 8, "minute": 31}
